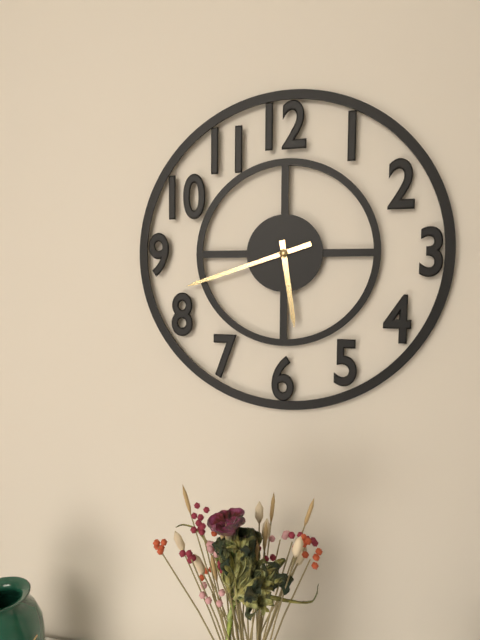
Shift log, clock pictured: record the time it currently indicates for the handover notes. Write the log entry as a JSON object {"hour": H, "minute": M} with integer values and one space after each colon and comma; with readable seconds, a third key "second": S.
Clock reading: {"hour": 5, "minute": 42}
